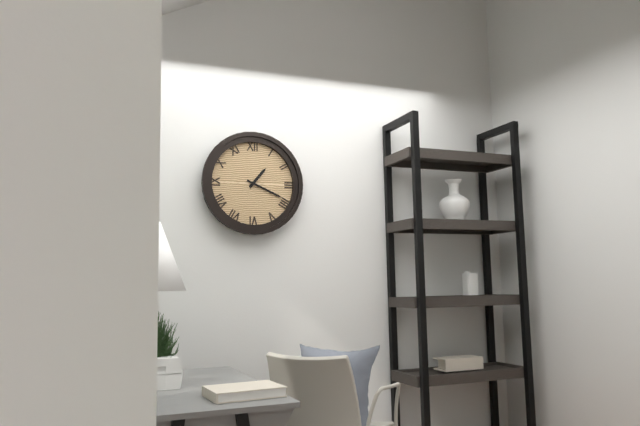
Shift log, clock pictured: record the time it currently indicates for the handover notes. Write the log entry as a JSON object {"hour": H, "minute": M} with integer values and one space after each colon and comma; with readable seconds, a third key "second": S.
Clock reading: {"hour": 1, "minute": 19}
